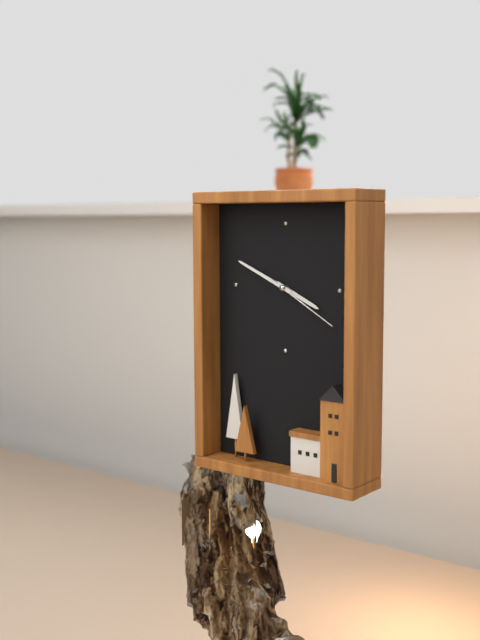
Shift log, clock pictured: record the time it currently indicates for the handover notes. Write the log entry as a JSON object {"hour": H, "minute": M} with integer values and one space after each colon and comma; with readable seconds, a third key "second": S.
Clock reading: {"hour": 3, "minute": 49, "second": 20}
